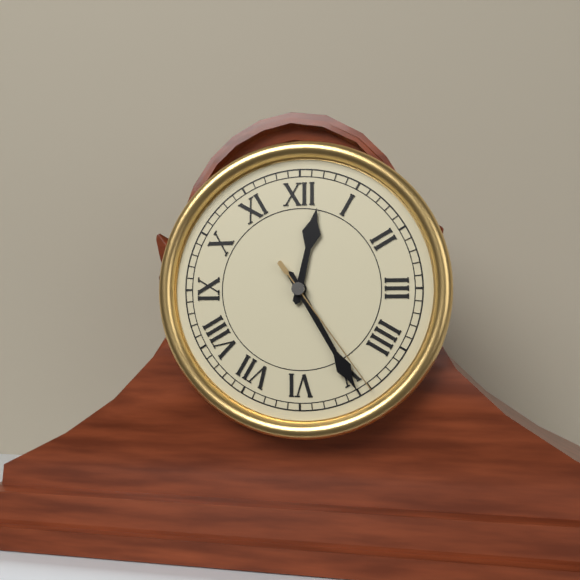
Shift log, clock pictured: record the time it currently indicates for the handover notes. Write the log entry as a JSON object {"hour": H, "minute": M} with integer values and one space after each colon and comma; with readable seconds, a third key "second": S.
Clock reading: {"hour": 12, "minute": 25, "second": 24}
